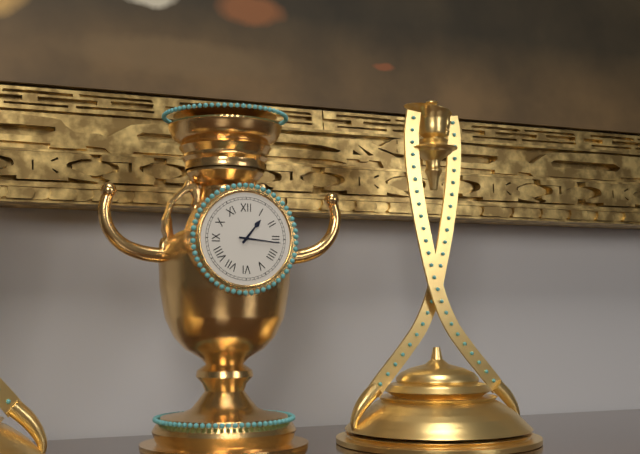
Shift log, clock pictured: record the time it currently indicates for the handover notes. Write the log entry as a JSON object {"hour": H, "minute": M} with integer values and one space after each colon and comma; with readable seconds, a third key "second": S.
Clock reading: {"hour": 1, "minute": 16}
